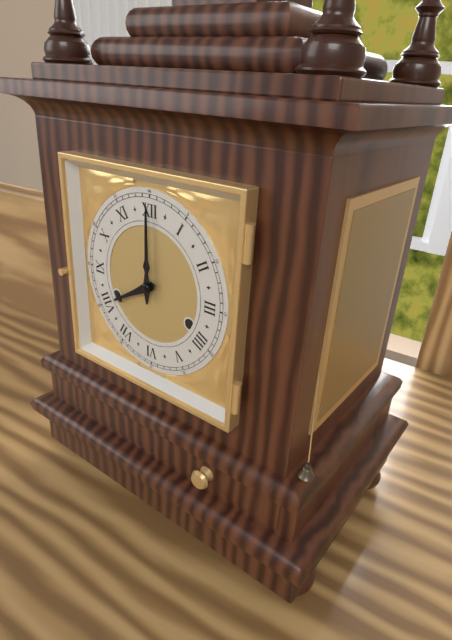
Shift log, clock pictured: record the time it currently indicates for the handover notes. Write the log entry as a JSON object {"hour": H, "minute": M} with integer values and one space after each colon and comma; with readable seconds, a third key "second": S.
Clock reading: {"hour": 8, "minute": 0}
